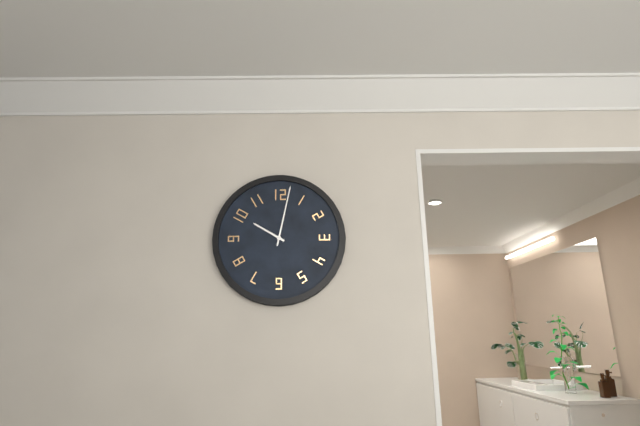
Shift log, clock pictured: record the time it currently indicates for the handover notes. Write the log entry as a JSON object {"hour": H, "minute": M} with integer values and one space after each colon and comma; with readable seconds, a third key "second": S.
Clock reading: {"hour": 10, "minute": 2}
